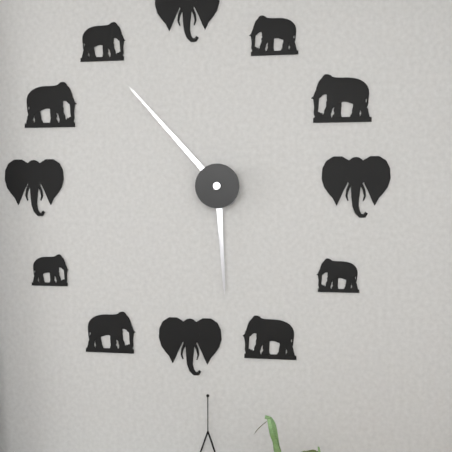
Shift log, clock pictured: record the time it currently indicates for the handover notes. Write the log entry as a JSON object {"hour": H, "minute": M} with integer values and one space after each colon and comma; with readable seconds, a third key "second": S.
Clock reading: {"hour": 5, "minute": 53}
